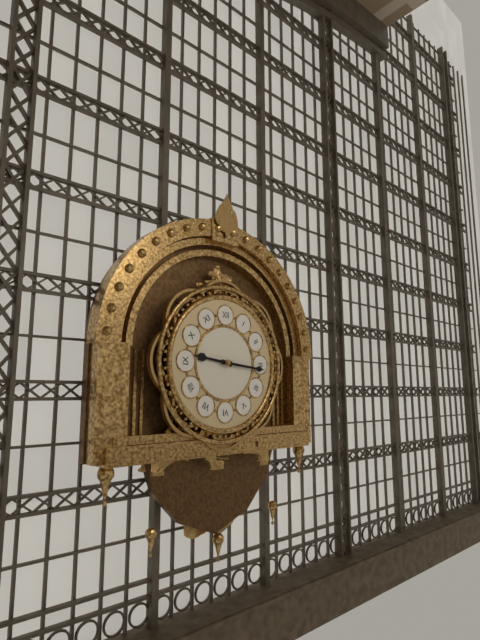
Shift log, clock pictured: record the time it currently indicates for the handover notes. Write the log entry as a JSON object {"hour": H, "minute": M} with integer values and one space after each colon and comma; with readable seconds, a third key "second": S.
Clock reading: {"hour": 9, "minute": 16}
